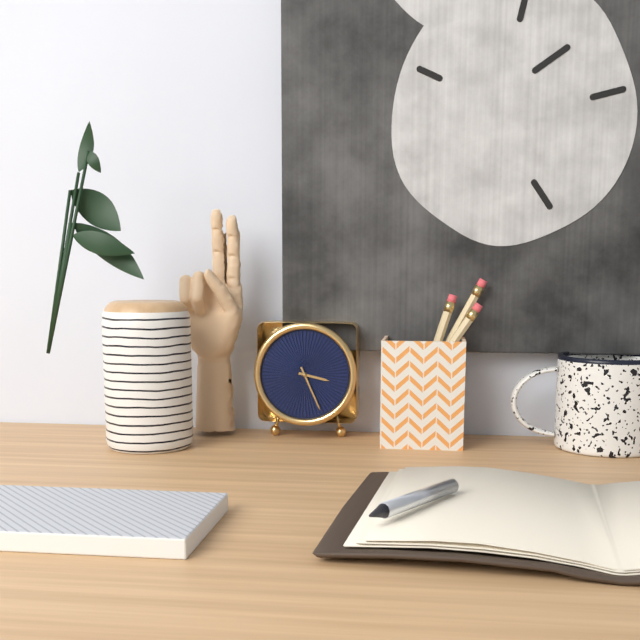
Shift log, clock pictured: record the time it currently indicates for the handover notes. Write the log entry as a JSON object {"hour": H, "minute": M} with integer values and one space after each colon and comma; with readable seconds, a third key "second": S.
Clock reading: {"hour": 3, "minute": 26}
